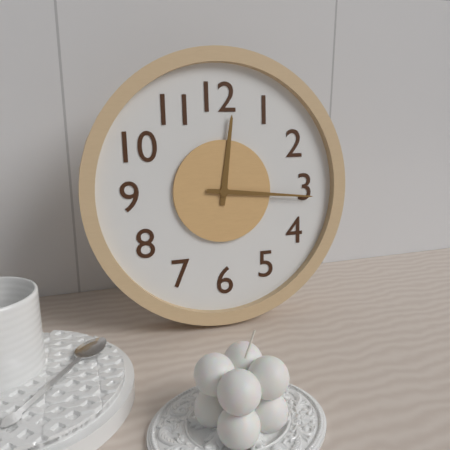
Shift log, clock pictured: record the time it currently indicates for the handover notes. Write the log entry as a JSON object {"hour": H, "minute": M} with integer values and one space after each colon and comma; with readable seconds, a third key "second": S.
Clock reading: {"hour": 12, "minute": 16}
